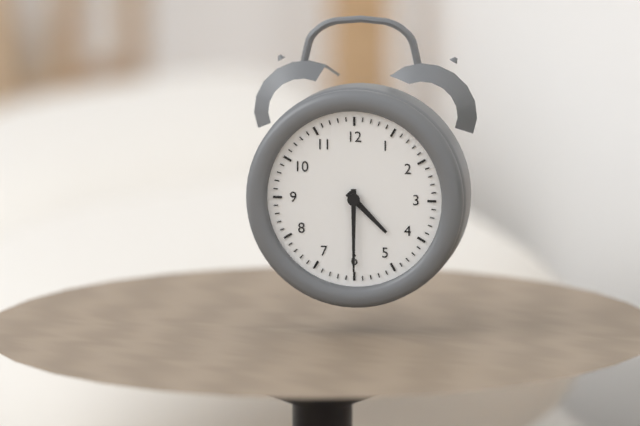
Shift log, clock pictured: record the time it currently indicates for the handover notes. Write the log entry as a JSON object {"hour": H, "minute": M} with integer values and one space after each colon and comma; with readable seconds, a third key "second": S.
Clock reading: {"hour": 4, "minute": 30}
